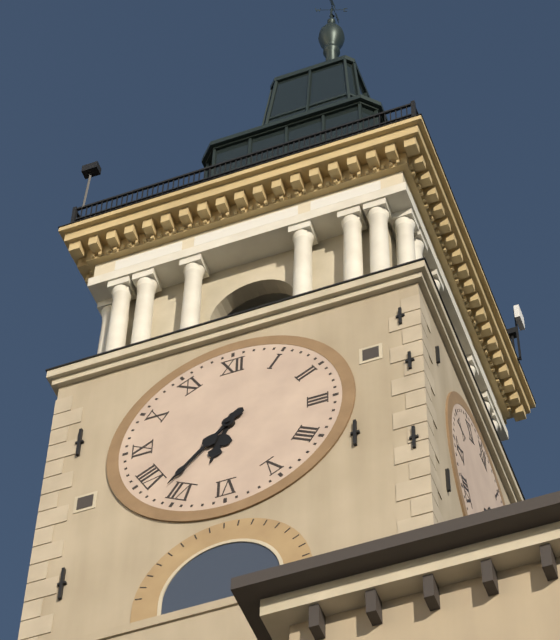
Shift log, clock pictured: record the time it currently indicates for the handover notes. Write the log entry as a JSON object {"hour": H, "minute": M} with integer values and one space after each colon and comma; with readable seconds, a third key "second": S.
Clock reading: {"hour": 6, "minute": 37}
